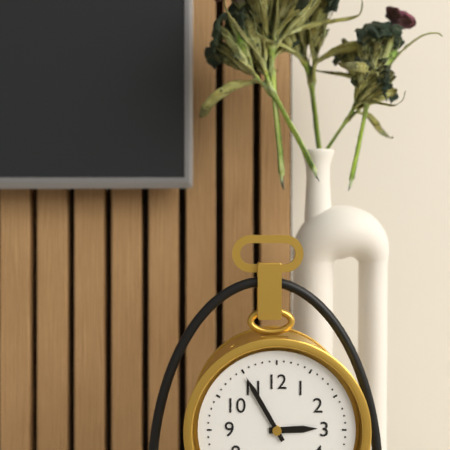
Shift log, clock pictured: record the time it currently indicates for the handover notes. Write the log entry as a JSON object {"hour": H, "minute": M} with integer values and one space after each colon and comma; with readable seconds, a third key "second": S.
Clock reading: {"hour": 2, "minute": 55}
